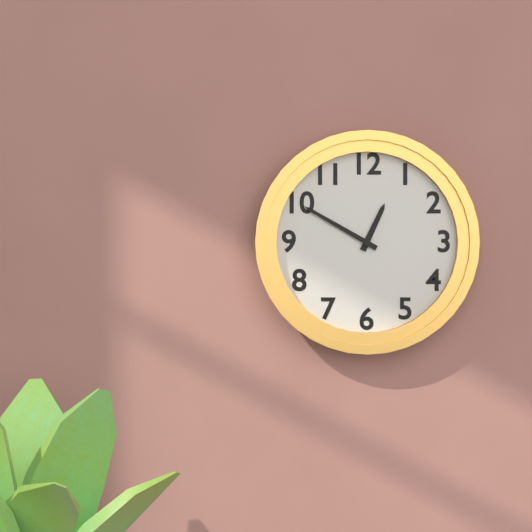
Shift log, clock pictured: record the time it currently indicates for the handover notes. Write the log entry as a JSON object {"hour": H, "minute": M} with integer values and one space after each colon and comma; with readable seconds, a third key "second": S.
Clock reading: {"hour": 12, "minute": 50}
